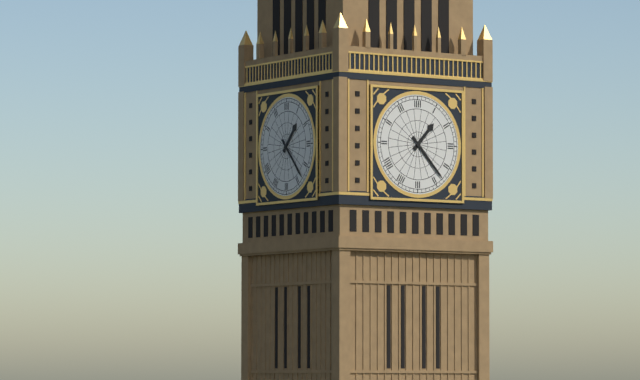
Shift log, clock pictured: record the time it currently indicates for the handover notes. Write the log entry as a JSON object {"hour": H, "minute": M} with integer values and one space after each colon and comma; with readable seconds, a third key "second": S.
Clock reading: {"hour": 1, "minute": 23}
